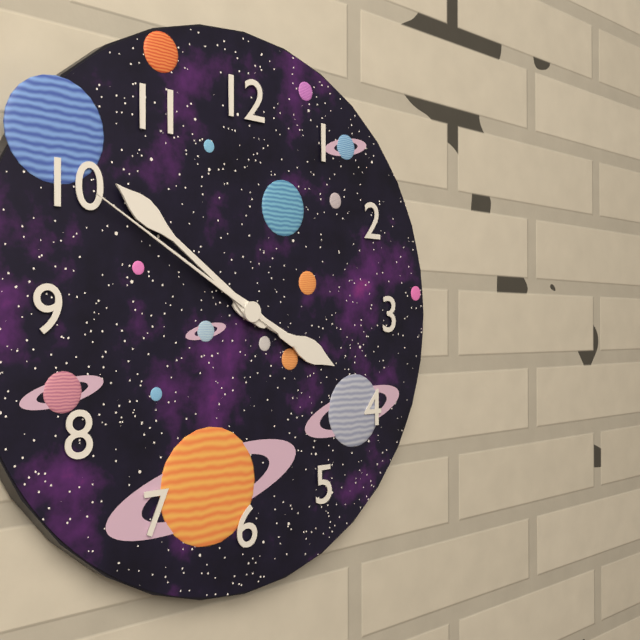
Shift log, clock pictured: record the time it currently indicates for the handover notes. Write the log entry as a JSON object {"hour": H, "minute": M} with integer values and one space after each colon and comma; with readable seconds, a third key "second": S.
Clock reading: {"hour": 3, "minute": 51, "second": 50}
